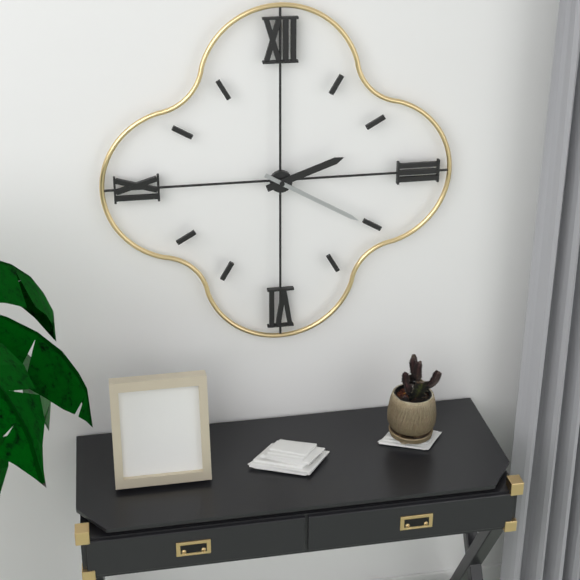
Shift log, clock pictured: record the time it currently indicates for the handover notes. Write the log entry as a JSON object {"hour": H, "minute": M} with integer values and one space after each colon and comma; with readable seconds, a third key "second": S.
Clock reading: {"hour": 2, "minute": 20}
